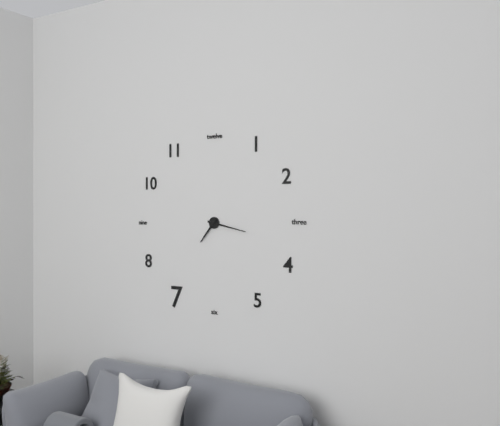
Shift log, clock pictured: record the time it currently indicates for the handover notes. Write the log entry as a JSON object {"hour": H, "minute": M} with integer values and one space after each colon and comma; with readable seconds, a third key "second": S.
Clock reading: {"hour": 7, "minute": 17}
